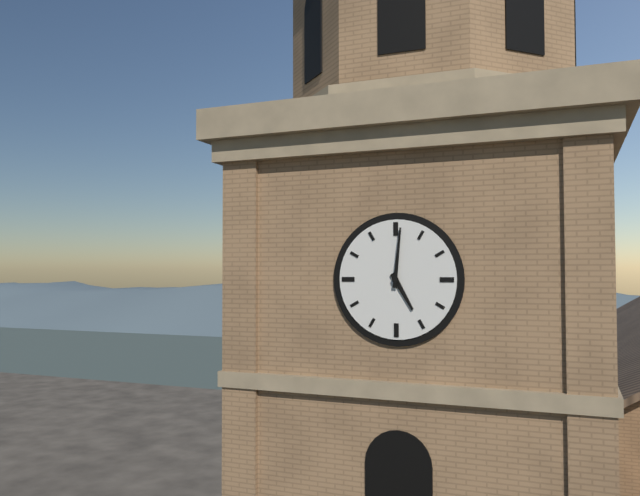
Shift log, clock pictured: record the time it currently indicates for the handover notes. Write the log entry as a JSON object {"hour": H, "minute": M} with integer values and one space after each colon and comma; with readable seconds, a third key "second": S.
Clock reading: {"hour": 5, "minute": 1}
